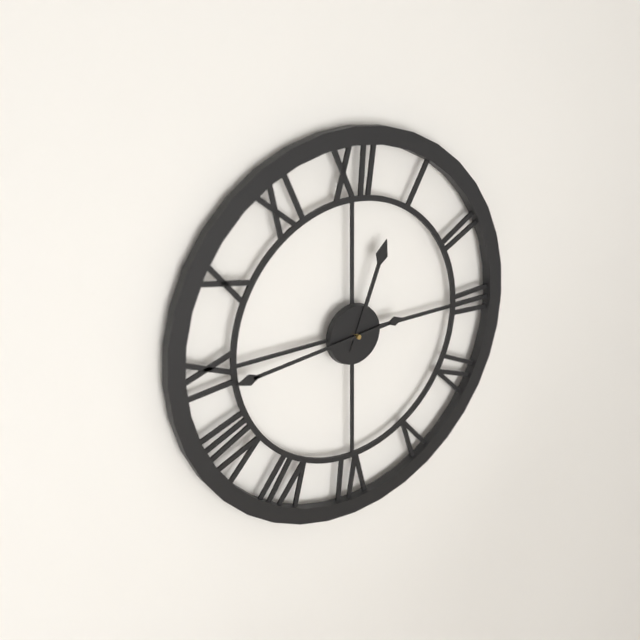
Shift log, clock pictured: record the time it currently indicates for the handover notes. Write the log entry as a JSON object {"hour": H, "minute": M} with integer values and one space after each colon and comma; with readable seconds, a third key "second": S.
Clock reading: {"hour": 12, "minute": 44}
